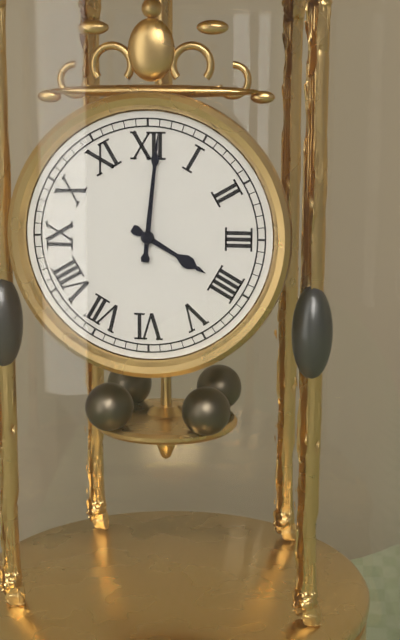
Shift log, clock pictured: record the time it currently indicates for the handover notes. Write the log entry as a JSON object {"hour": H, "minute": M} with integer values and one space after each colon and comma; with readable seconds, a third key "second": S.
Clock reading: {"hour": 4, "minute": 1}
